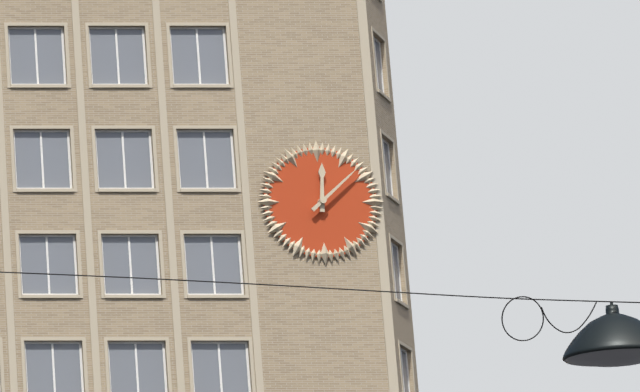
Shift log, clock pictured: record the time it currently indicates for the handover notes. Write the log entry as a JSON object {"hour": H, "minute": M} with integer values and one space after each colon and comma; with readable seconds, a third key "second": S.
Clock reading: {"hour": 12, "minute": 8}
